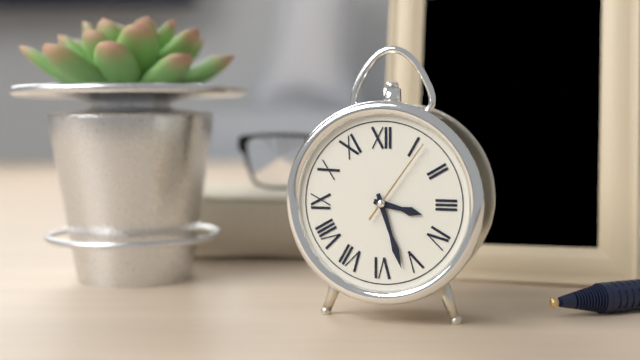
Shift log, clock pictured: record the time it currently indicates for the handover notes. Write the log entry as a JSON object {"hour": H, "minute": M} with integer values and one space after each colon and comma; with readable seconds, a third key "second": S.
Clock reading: {"hour": 3, "minute": 27, "second": 6}
